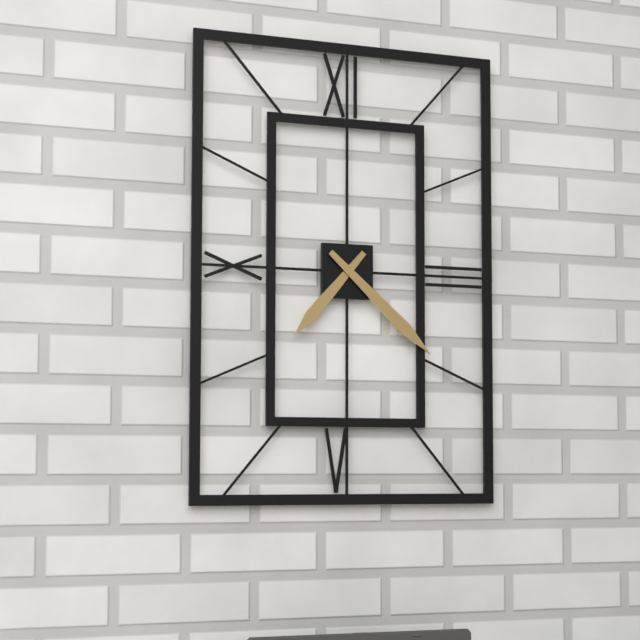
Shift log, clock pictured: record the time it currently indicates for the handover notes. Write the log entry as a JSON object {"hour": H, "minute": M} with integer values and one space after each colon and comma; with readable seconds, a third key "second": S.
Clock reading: {"hour": 7, "minute": 22}
